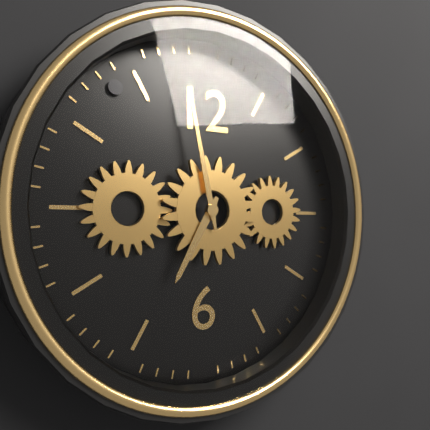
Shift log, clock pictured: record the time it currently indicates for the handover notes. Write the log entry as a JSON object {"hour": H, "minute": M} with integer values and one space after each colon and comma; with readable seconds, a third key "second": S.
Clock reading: {"hour": 6, "minute": 58}
